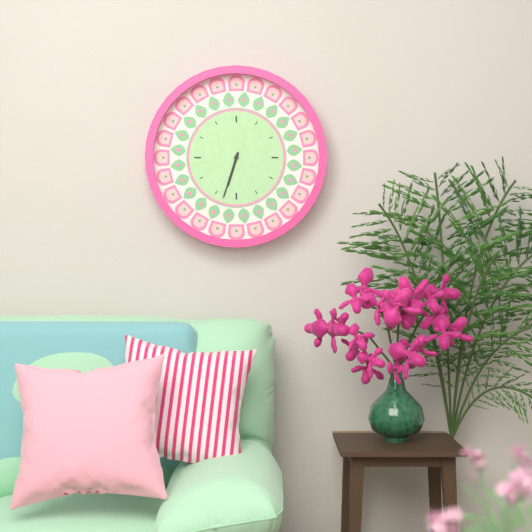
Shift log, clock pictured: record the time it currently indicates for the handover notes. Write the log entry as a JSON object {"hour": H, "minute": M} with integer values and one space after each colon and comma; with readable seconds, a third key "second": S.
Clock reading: {"hour": 6, "minute": 33}
